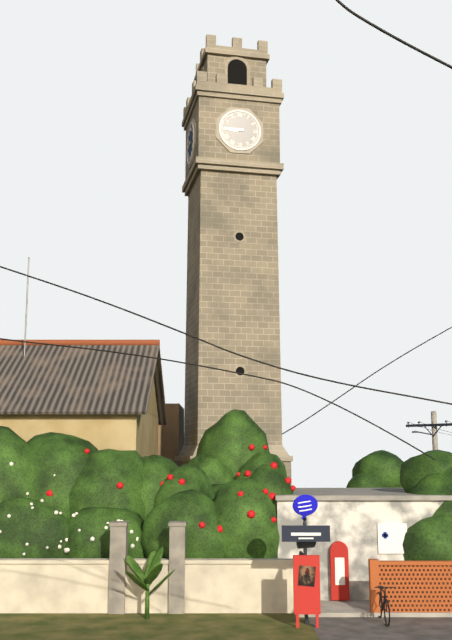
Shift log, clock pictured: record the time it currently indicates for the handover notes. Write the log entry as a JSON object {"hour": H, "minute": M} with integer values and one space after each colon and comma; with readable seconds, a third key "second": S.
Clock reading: {"hour": 8, "minute": 45}
